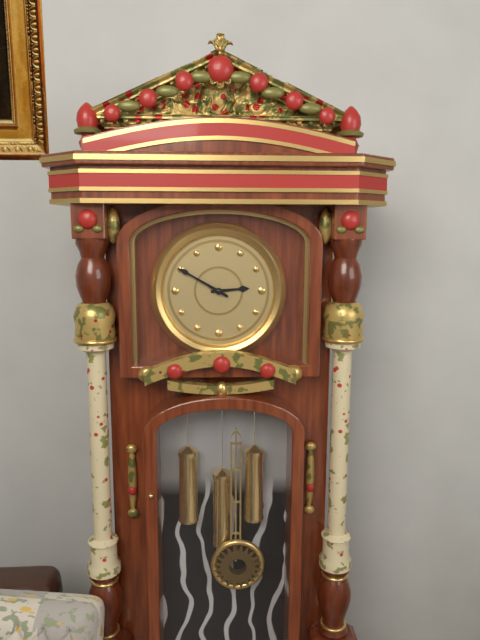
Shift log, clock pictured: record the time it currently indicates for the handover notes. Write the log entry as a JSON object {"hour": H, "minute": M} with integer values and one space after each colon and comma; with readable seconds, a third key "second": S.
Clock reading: {"hour": 2, "minute": 50}
